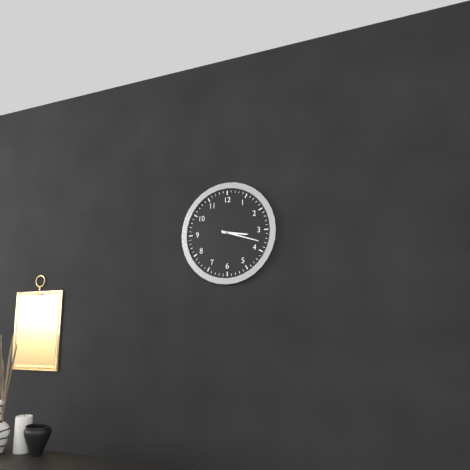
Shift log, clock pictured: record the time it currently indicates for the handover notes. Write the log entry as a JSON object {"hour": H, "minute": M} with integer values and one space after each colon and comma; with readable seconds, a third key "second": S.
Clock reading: {"hour": 3, "minute": 18}
